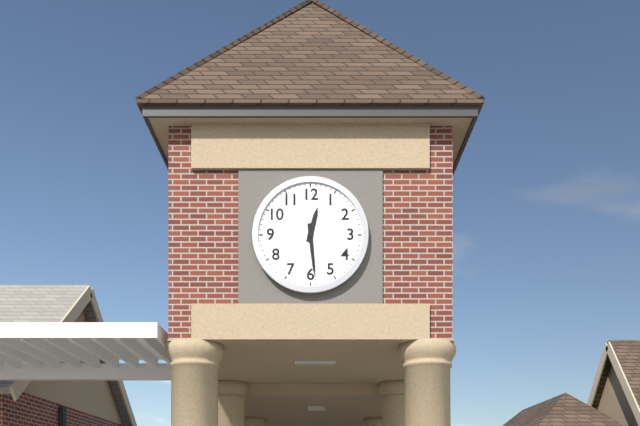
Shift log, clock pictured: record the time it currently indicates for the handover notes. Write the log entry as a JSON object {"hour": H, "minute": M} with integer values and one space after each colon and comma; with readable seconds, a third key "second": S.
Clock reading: {"hour": 12, "minute": 29}
